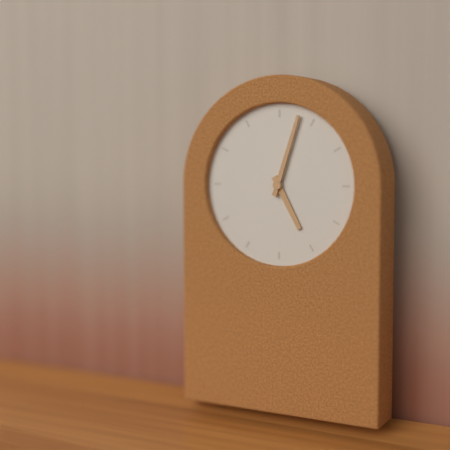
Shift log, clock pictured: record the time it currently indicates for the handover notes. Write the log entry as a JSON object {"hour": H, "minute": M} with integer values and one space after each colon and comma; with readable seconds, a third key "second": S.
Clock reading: {"hour": 5, "minute": 3}
